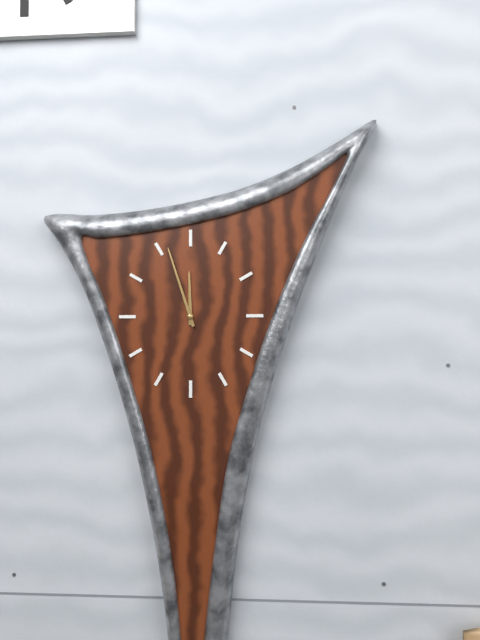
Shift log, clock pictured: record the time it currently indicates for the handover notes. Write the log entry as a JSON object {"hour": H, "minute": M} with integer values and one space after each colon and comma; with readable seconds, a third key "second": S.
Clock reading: {"hour": 11, "minute": 57}
